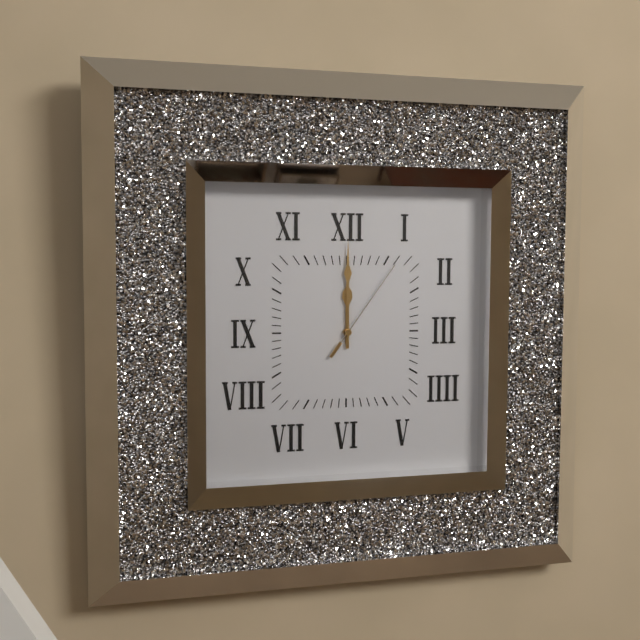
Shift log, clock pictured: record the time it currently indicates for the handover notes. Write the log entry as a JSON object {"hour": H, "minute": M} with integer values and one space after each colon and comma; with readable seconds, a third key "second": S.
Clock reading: {"hour": 12, "minute": 0, "second": 6}
